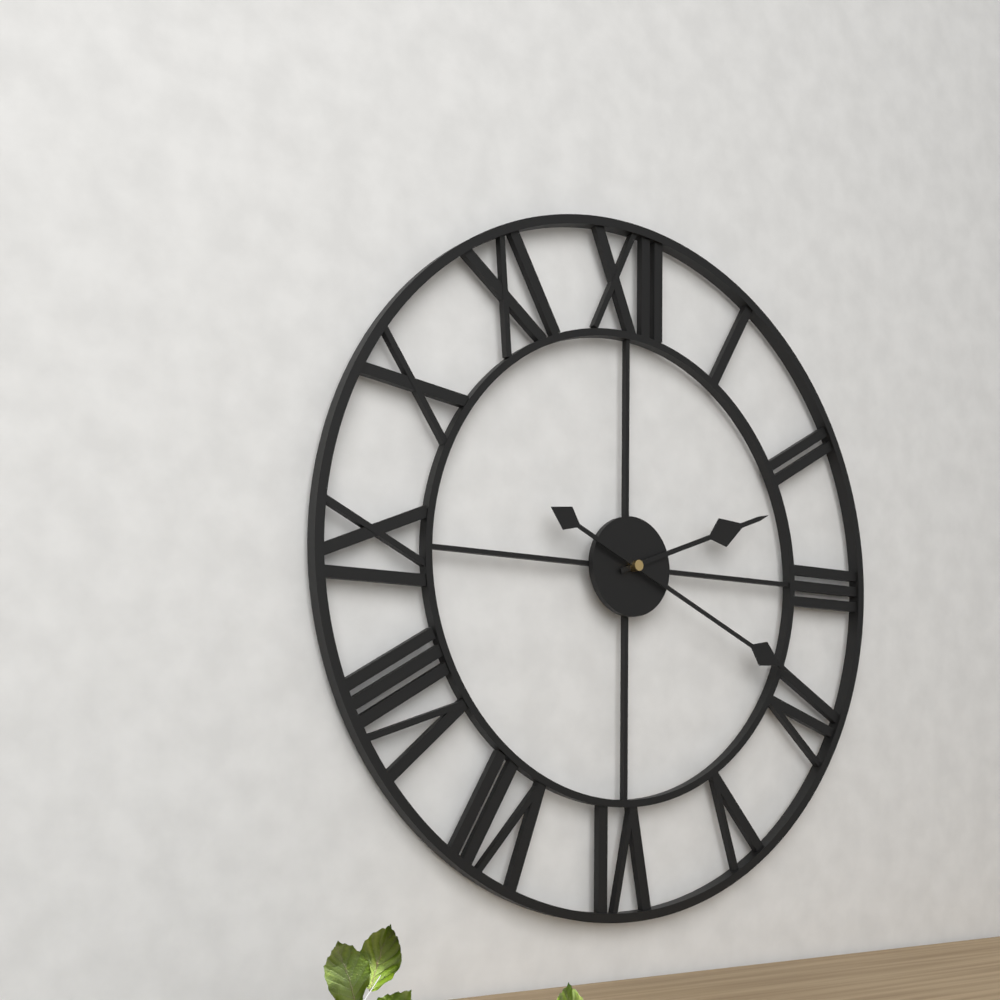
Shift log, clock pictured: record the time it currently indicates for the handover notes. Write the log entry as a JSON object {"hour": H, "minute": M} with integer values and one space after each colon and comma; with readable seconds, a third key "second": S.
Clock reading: {"hour": 2, "minute": 19}
